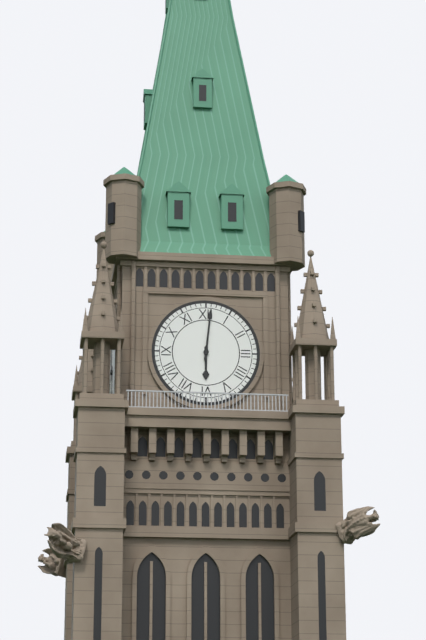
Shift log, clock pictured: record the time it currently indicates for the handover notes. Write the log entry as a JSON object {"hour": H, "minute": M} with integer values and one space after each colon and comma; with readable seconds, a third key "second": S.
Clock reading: {"hour": 6, "minute": 1}
